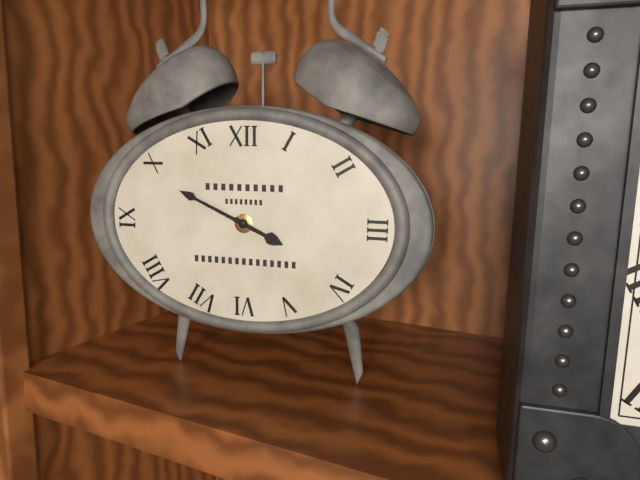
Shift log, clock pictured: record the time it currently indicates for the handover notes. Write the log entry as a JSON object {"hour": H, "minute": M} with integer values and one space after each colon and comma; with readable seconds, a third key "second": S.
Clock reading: {"hour": 3, "minute": 49}
